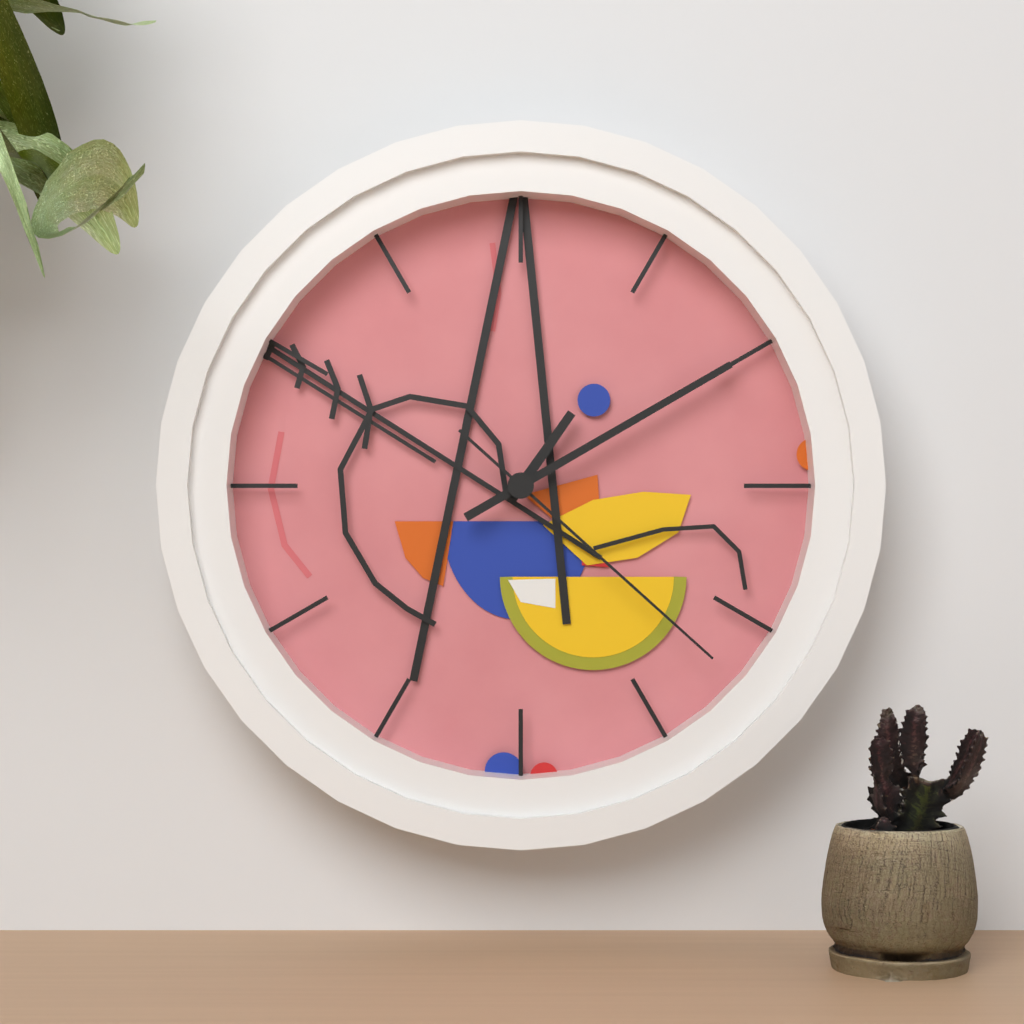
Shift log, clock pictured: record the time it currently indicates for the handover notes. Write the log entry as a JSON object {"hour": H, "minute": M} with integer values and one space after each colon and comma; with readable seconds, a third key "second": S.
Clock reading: {"hour": 1, "minute": 10, "second": 22}
